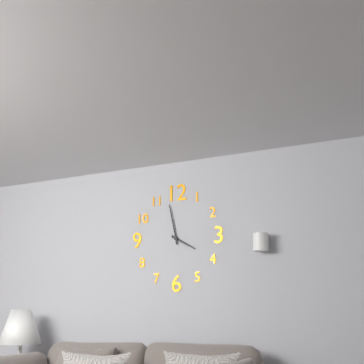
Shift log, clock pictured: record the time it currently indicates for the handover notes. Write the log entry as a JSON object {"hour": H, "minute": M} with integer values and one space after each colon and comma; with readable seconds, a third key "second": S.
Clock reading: {"hour": 3, "minute": 58}
